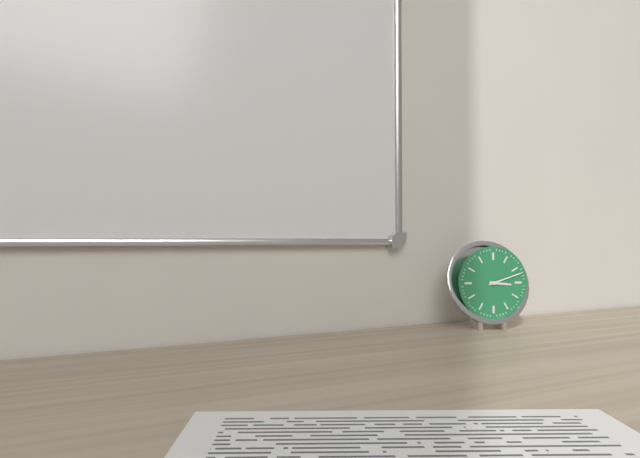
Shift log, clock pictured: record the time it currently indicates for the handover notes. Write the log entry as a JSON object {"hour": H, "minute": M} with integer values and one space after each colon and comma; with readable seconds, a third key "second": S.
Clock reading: {"hour": 3, "minute": 12}
